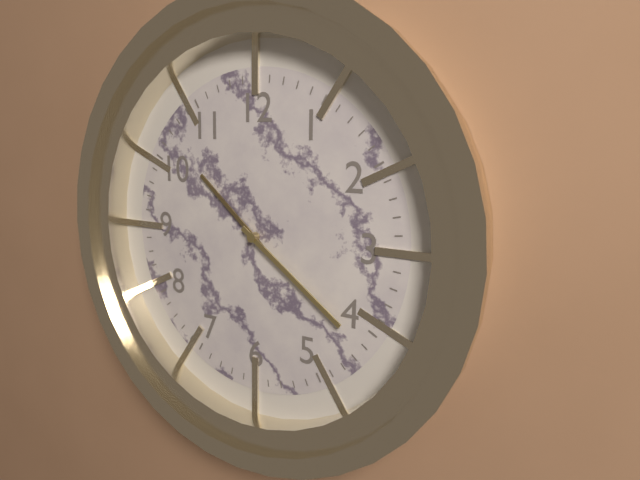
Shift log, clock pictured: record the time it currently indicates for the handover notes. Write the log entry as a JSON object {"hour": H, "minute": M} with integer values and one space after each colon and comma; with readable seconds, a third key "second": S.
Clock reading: {"hour": 10, "minute": 21}
